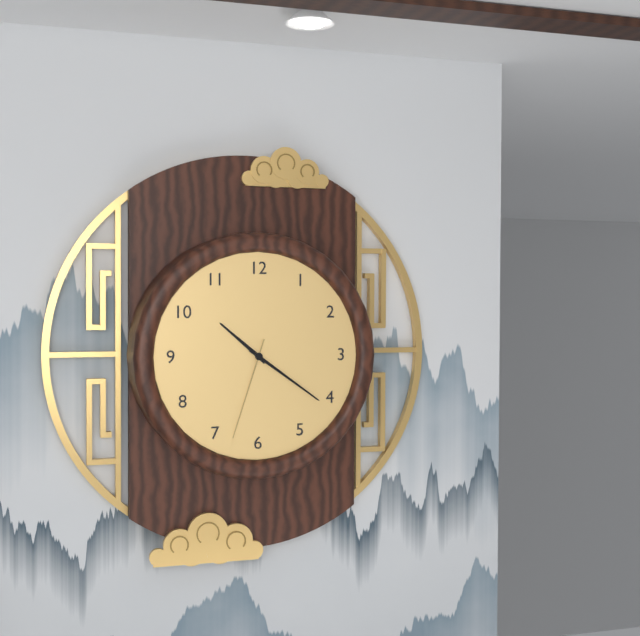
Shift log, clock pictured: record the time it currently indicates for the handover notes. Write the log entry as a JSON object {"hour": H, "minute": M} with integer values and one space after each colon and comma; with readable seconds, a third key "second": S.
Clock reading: {"hour": 10, "minute": 21, "second": 33}
